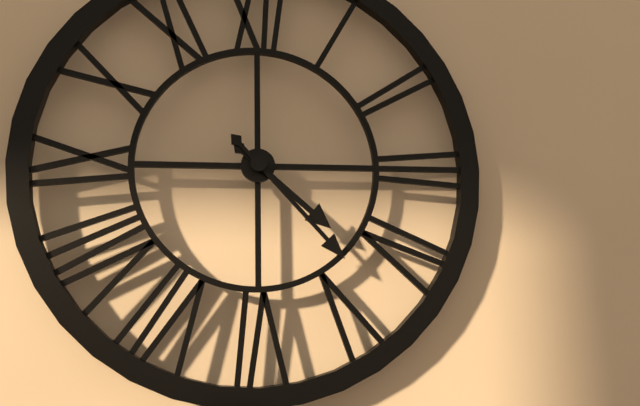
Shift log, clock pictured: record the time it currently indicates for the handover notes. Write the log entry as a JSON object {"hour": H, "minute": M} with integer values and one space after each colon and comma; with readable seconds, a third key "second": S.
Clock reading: {"hour": 4, "minute": 23}
